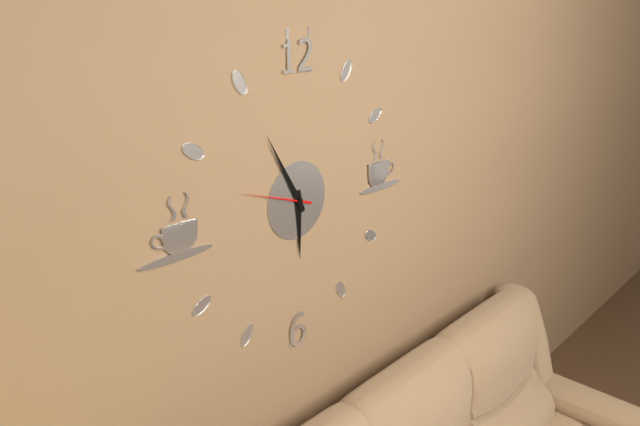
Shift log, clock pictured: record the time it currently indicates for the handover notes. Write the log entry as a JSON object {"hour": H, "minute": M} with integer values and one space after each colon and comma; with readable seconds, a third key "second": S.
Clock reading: {"hour": 5, "minute": 55, "second": 48}
